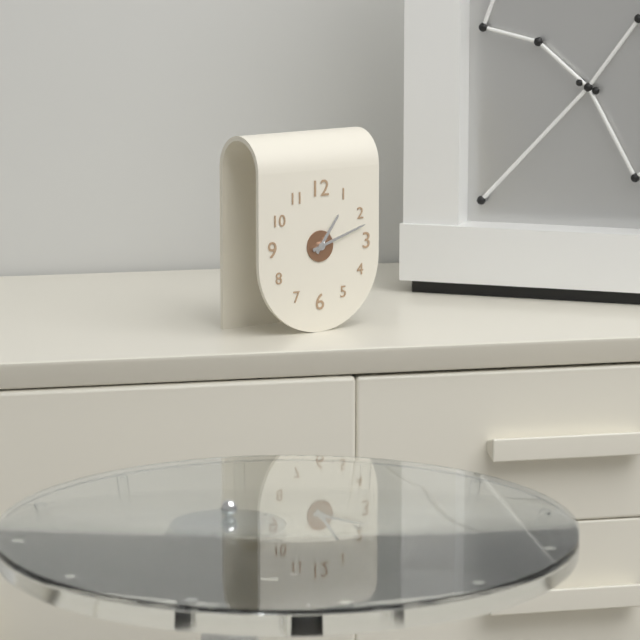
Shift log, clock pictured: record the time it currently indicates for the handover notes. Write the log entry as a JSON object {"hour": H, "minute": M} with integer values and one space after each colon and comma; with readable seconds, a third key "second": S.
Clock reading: {"hour": 1, "minute": 12}
